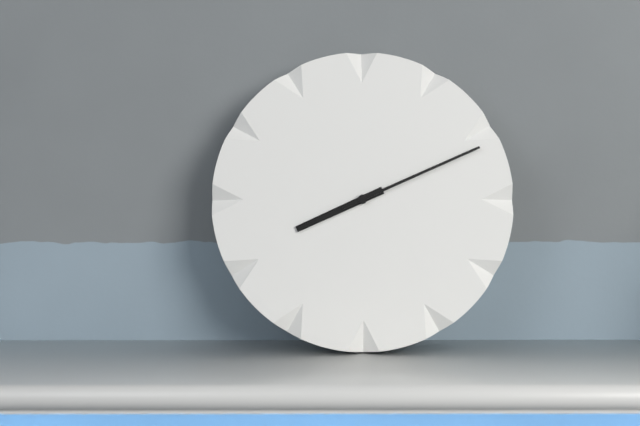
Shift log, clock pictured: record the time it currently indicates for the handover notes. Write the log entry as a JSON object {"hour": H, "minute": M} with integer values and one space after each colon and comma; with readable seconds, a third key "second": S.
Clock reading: {"hour": 8, "minute": 11}
